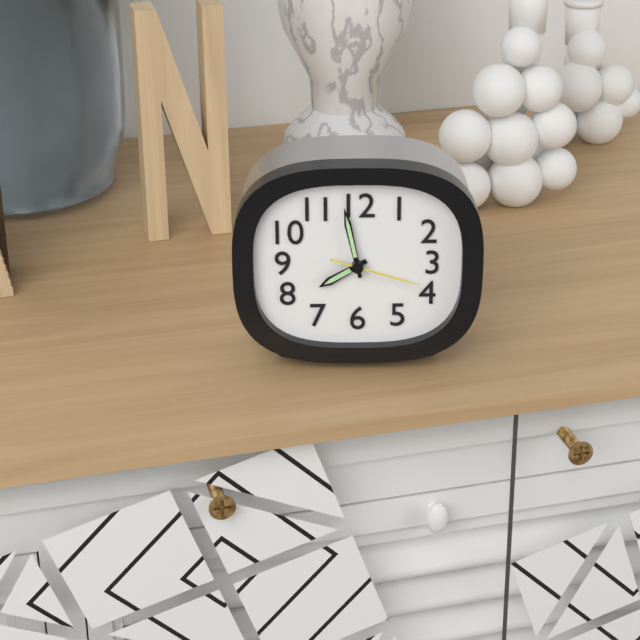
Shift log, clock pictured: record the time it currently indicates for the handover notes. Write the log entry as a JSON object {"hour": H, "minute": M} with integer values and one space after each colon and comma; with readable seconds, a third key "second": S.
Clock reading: {"hour": 7, "minute": 58, "second": 18}
